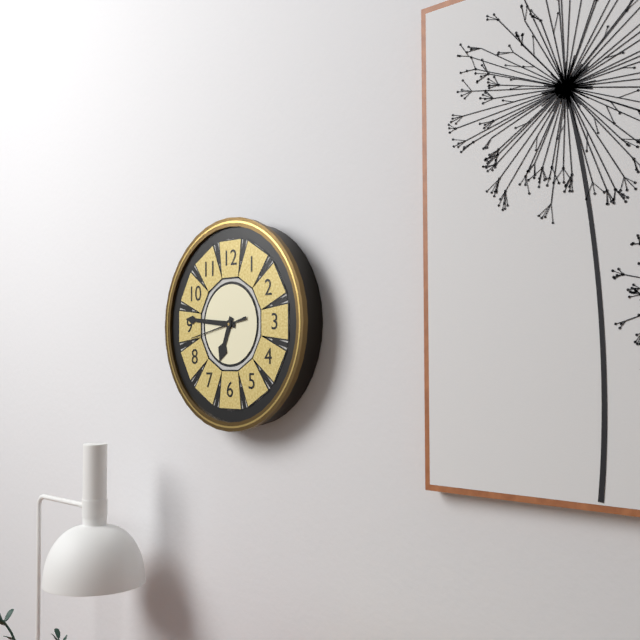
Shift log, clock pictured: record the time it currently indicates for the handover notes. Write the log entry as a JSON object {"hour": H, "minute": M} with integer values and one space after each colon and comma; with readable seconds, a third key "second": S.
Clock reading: {"hour": 6, "minute": 46, "second": 43}
